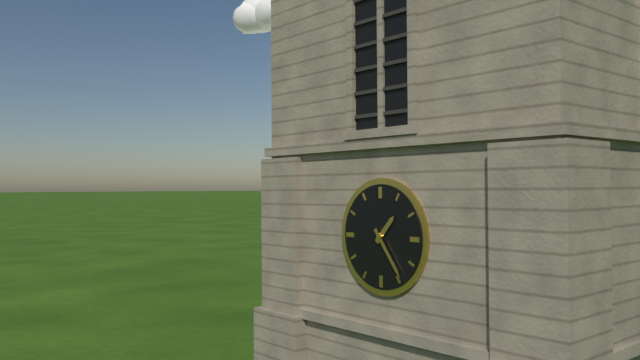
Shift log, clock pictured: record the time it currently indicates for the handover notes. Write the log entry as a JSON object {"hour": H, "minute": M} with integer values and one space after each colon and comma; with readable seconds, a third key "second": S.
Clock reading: {"hour": 1, "minute": 24}
